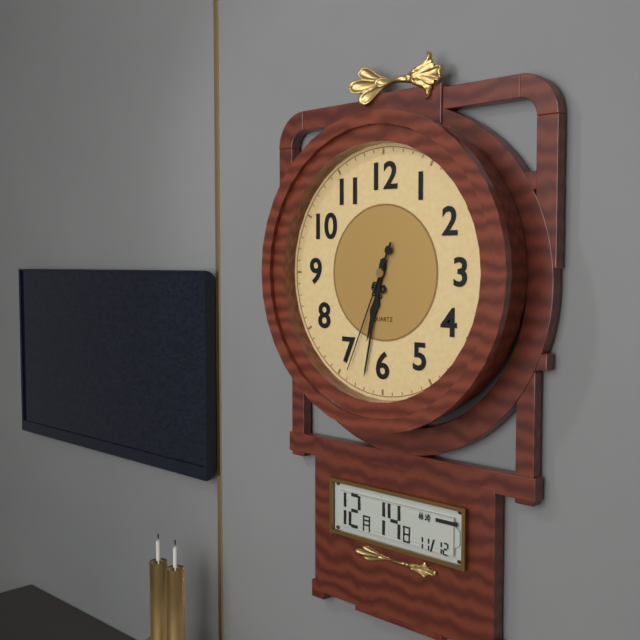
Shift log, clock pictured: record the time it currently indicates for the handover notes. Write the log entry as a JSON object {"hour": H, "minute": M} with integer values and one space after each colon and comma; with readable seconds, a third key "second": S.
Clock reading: {"hour": 6, "minute": 32, "second": 34}
